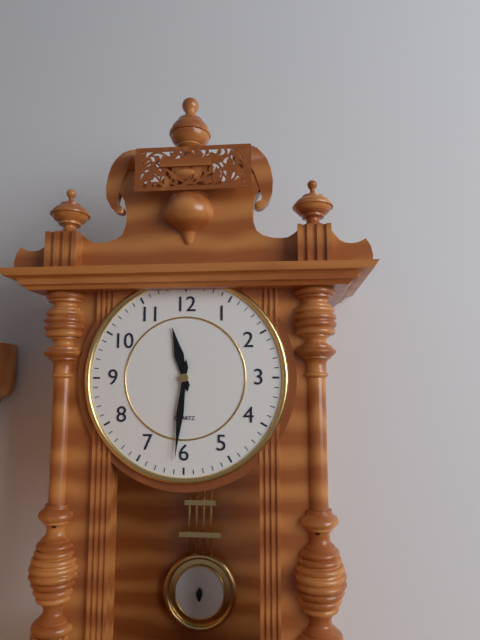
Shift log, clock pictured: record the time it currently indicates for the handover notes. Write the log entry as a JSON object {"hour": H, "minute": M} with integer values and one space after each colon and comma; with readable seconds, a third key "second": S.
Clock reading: {"hour": 11, "minute": 31}
